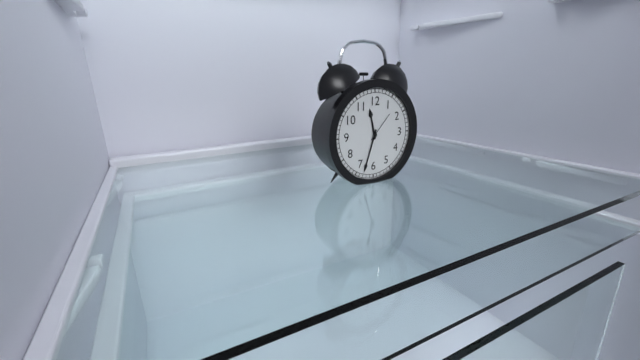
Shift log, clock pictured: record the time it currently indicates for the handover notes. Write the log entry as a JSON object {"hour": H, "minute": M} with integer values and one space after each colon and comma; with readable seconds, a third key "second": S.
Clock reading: {"hour": 11, "minute": 33}
